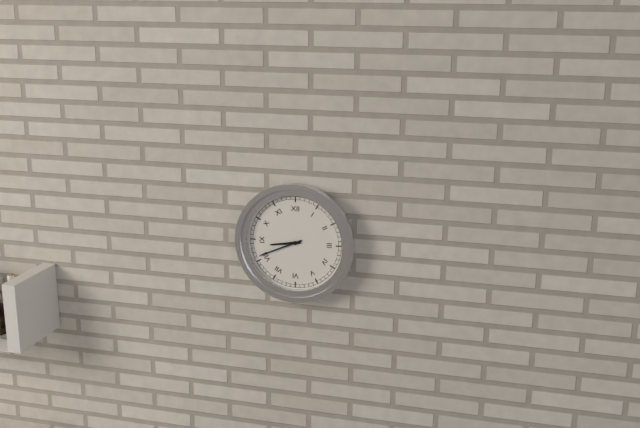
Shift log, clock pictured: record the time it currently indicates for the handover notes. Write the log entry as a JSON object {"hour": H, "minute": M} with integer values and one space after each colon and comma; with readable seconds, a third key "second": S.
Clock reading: {"hour": 8, "minute": 41}
